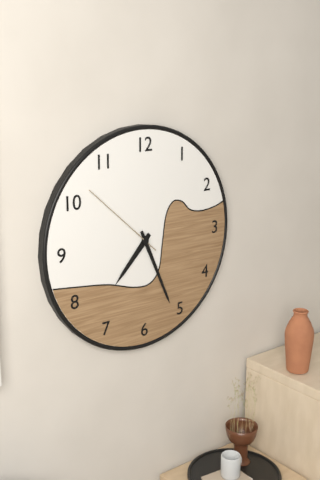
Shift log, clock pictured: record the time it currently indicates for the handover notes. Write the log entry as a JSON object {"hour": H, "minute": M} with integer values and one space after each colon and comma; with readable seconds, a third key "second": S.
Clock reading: {"hour": 7, "minute": 26, "second": 52}
